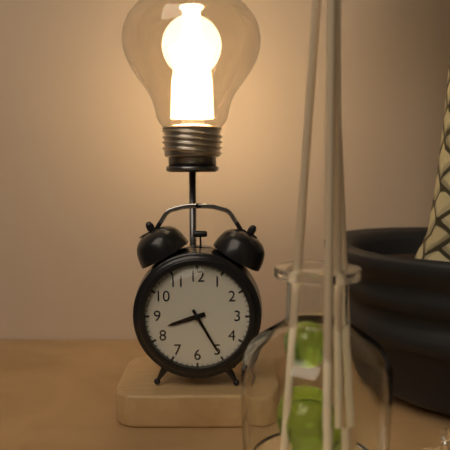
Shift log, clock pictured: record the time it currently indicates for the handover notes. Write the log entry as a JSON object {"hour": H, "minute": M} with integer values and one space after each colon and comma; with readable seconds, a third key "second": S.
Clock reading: {"hour": 8, "minute": 25}
